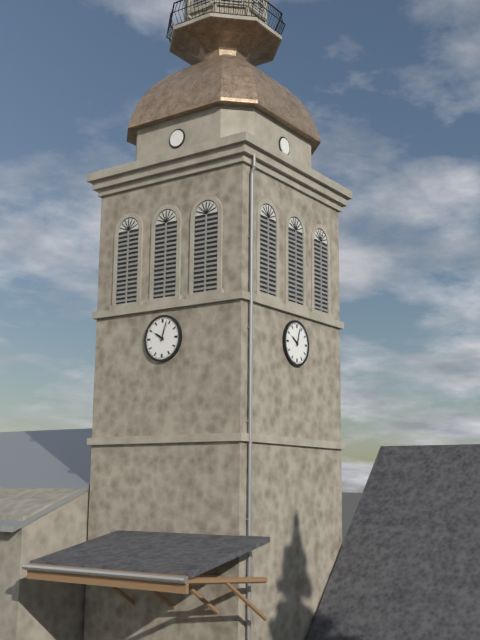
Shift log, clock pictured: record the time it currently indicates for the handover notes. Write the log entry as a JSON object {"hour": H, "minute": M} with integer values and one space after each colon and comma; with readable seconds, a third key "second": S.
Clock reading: {"hour": 10, "minute": 3}
